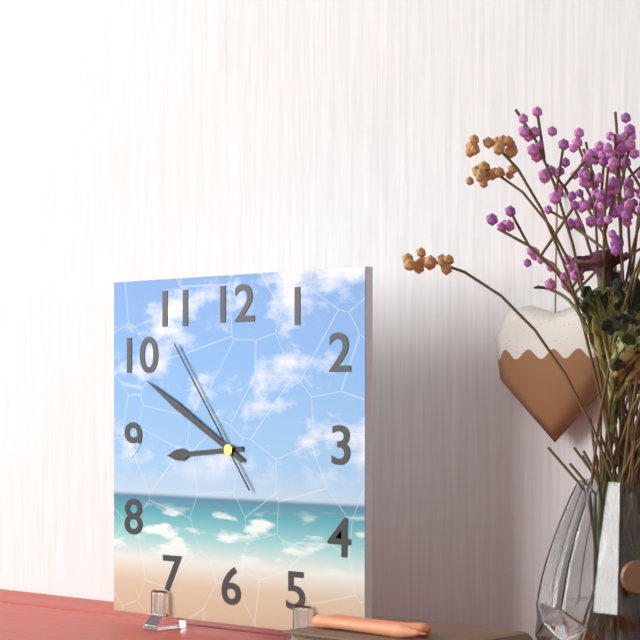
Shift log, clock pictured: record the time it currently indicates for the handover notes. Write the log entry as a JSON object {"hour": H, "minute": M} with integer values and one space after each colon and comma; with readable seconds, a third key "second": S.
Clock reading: {"hour": 8, "minute": 50, "second": 54}
